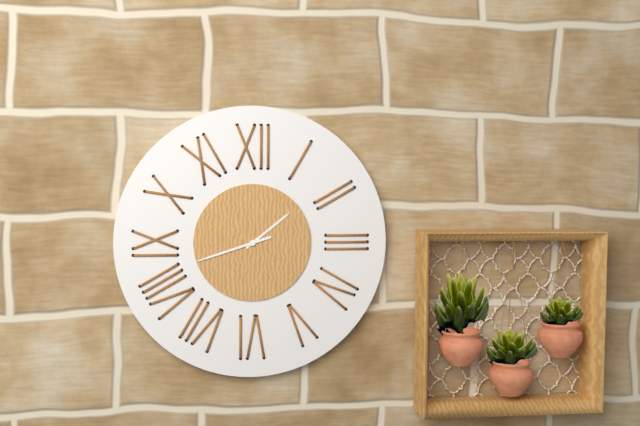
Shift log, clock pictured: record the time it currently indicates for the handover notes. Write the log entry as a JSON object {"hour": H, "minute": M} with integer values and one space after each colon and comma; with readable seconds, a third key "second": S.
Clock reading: {"hour": 1, "minute": 42}
